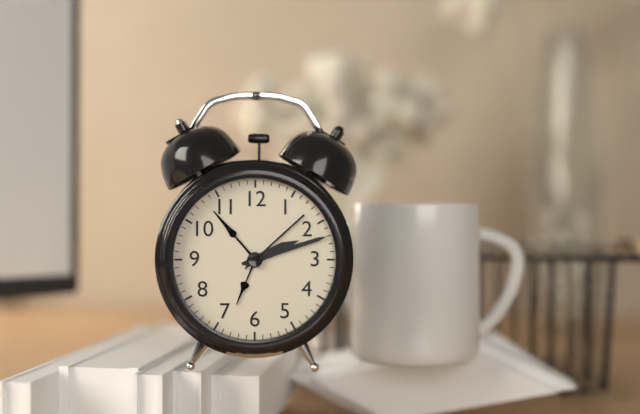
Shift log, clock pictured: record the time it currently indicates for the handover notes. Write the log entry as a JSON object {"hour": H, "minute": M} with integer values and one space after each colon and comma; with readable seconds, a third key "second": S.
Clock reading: {"hour": 2, "minute": 12}
